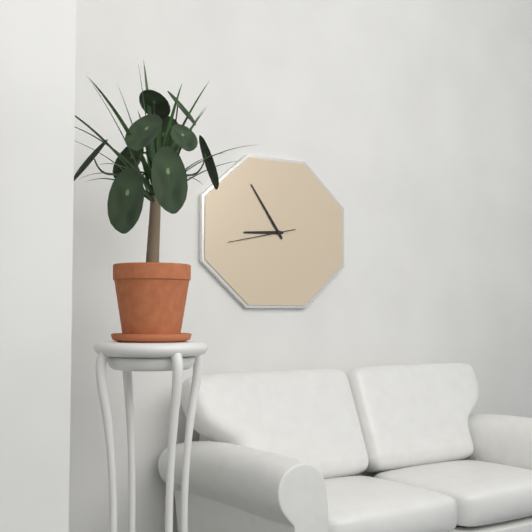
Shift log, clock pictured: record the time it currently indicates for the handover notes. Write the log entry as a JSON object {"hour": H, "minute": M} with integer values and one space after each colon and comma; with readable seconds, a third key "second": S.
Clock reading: {"hour": 8, "minute": 54, "second": 43}
